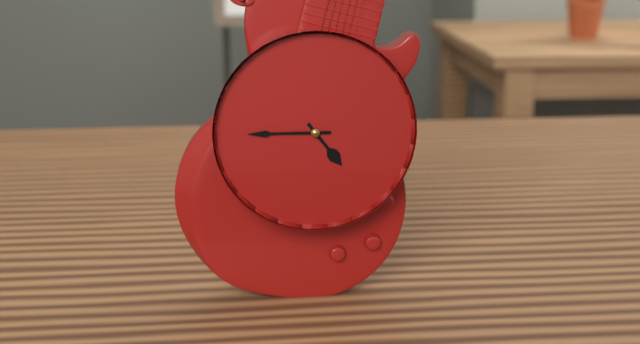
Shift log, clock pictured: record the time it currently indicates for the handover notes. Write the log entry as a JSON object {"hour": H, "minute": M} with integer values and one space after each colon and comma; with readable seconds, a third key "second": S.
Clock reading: {"hour": 4, "minute": 45}
